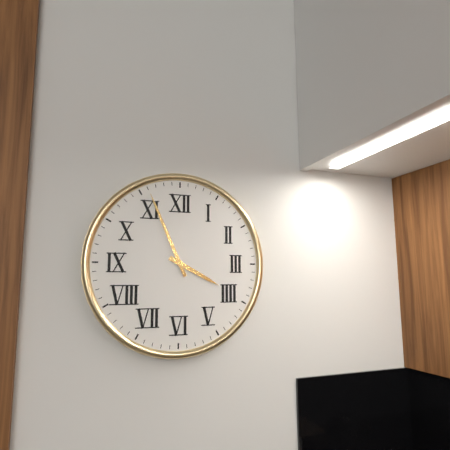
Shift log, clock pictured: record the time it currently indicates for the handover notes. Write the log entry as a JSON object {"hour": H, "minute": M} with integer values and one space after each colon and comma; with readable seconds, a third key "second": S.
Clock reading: {"hour": 3, "minute": 56}
